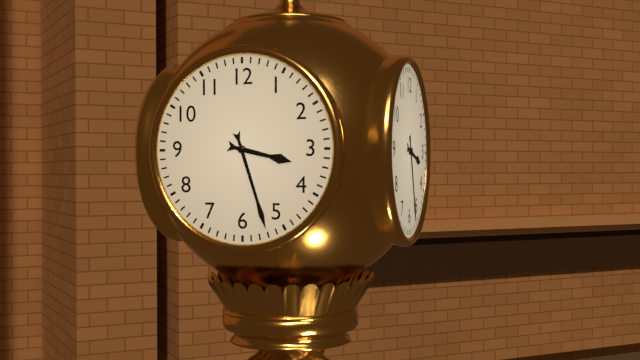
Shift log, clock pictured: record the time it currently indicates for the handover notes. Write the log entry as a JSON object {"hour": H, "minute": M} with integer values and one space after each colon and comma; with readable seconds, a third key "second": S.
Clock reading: {"hour": 3, "minute": 27}
